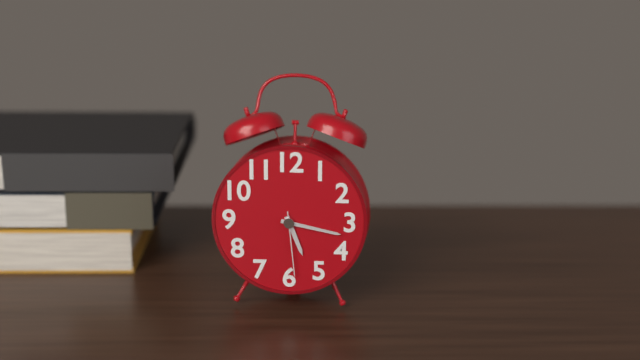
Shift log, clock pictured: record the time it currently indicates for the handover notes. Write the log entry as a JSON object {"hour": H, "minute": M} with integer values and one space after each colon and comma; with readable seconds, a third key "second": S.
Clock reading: {"hour": 5, "minute": 17, "second": 29}
